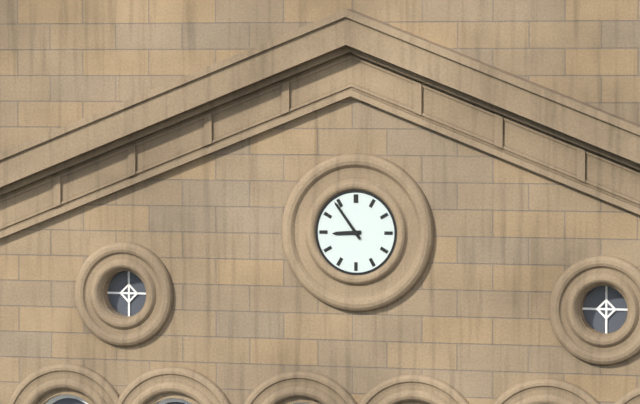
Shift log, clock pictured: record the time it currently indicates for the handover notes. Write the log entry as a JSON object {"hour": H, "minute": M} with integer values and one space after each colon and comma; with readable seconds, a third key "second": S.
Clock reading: {"hour": 8, "minute": 54}
